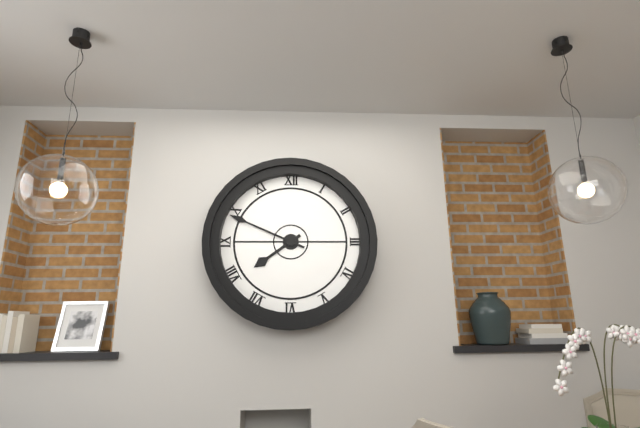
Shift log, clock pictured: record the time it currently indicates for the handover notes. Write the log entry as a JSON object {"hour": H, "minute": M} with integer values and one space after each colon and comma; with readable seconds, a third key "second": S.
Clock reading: {"hour": 7, "minute": 49}
